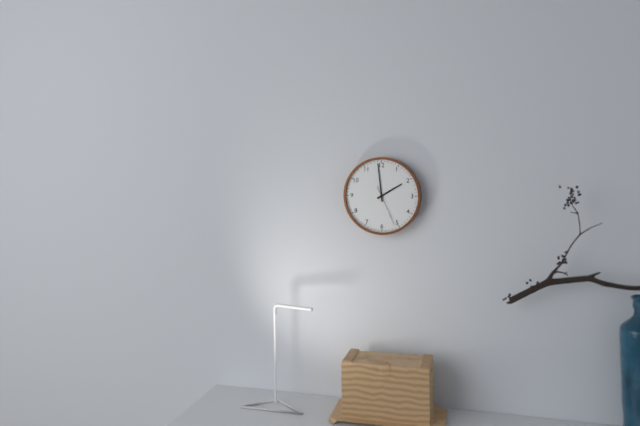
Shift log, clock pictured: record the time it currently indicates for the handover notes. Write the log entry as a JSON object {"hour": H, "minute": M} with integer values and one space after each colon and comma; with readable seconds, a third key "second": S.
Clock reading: {"hour": 1, "minute": 59}
